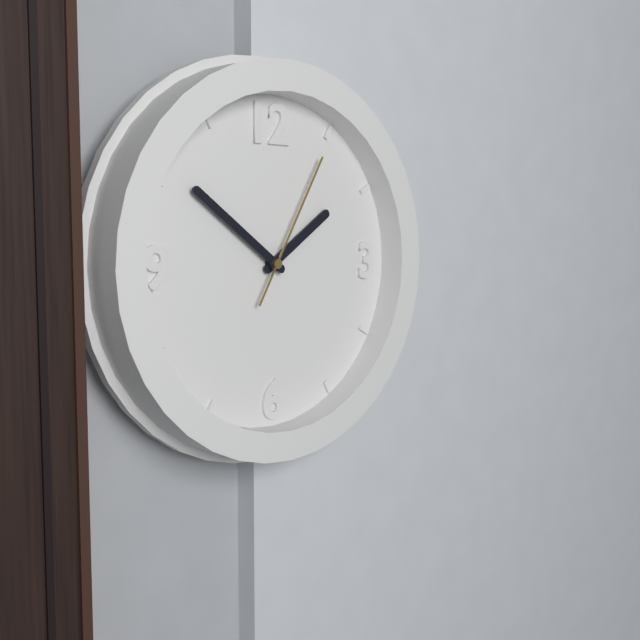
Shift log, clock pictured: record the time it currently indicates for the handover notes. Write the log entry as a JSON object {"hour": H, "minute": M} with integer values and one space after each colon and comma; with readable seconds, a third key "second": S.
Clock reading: {"hour": 1, "minute": 51, "second": 5}
